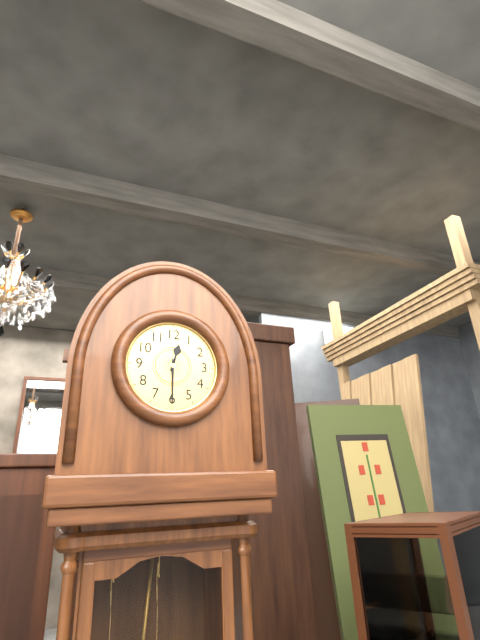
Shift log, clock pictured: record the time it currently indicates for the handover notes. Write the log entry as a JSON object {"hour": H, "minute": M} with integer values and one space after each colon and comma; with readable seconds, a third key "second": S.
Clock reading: {"hour": 12, "minute": 30}
